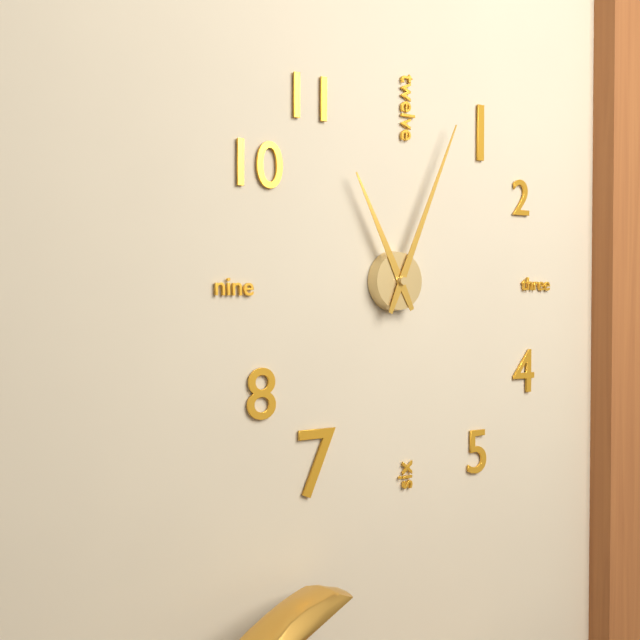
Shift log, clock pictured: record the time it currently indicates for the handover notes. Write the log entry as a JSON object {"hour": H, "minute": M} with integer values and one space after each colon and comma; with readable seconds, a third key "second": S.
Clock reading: {"hour": 11, "minute": 4}
